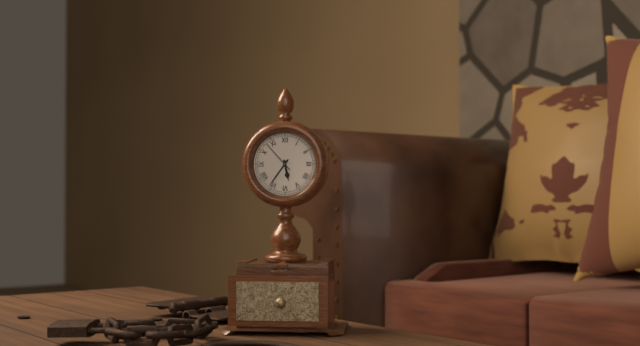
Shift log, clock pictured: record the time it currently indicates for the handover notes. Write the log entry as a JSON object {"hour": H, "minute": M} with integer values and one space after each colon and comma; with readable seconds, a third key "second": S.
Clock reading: {"hour": 5, "minute": 36}
